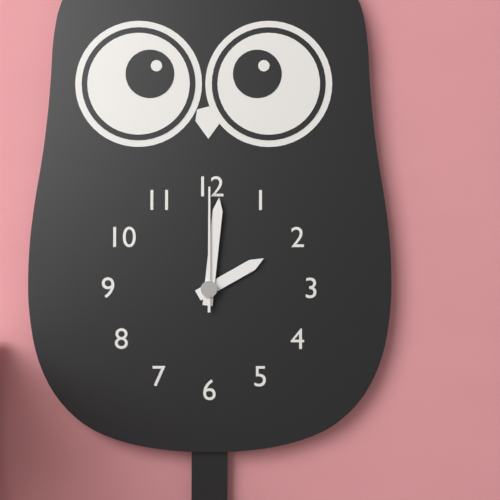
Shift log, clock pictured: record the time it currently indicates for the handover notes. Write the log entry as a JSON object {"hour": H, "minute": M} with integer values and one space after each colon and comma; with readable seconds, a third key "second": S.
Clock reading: {"hour": 2, "minute": 1, "second": 0}
